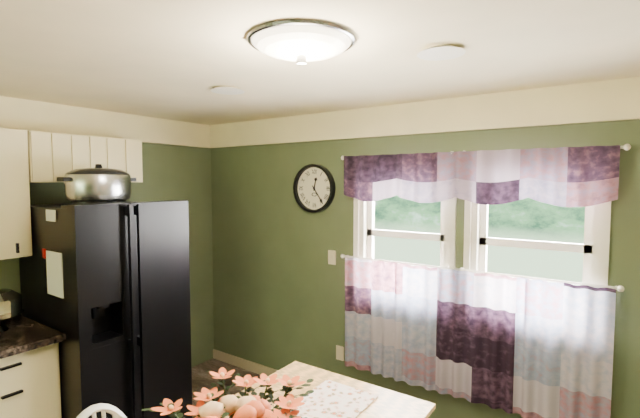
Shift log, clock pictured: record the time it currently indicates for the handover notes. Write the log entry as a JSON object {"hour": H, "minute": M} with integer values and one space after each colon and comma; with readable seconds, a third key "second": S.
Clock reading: {"hour": 12, "minute": 24}
